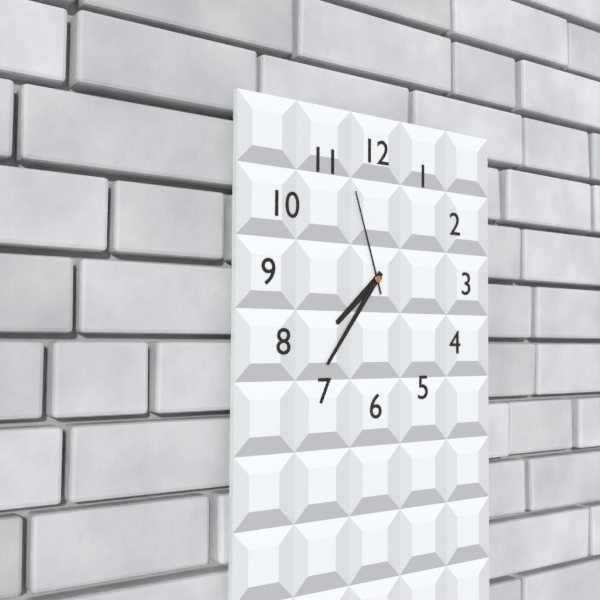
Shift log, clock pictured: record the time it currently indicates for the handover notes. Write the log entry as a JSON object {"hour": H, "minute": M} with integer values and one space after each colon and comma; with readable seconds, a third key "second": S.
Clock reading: {"hour": 7, "minute": 36, "second": 57}
